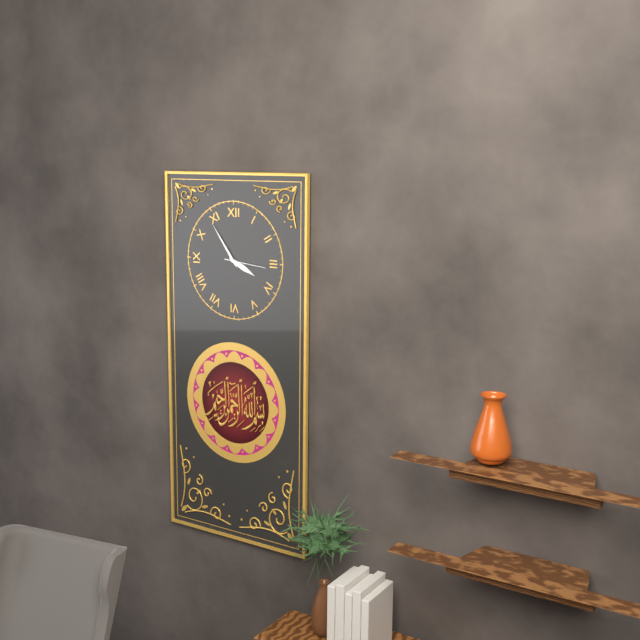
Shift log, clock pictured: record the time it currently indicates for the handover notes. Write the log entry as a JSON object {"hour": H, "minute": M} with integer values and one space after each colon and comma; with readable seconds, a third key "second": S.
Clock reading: {"hour": 3, "minute": 54}
